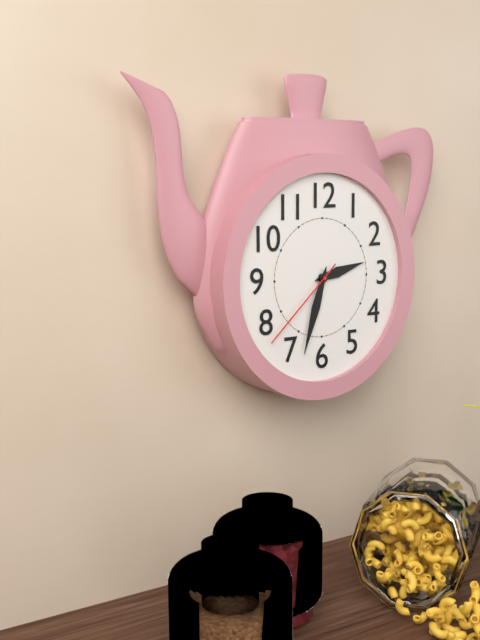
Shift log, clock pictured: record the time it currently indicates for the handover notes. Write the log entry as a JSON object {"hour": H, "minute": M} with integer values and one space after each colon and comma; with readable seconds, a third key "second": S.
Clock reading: {"hour": 2, "minute": 33, "second": 38}
